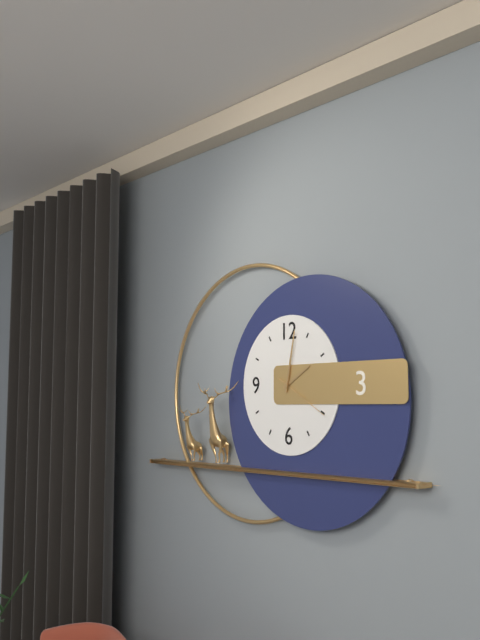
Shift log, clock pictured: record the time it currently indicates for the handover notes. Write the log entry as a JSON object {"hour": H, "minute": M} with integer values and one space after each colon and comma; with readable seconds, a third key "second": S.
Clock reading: {"hour": 2, "minute": 2, "second": 20}
